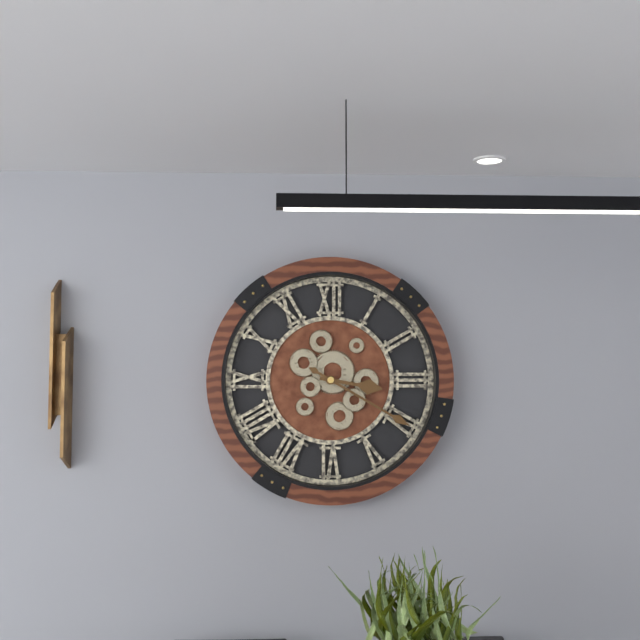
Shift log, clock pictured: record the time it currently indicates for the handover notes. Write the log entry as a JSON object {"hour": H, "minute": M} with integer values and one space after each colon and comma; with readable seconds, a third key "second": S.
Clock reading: {"hour": 3, "minute": 20}
